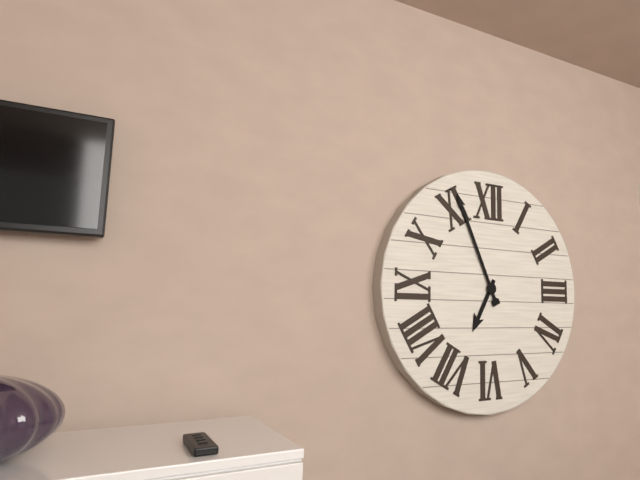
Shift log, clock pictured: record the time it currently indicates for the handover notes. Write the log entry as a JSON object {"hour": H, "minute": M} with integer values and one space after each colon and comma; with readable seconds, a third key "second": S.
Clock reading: {"hour": 6, "minute": 56}
